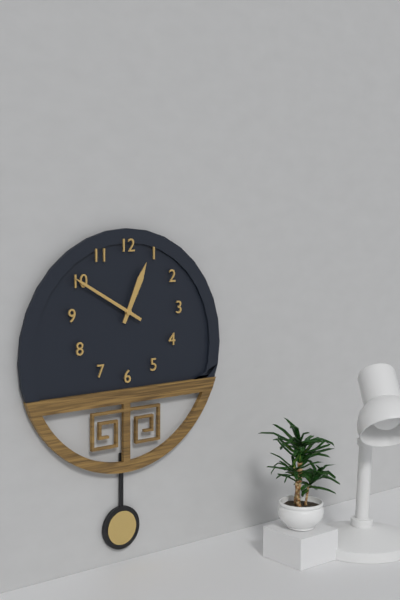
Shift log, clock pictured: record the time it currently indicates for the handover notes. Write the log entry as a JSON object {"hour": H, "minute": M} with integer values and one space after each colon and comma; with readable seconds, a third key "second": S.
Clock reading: {"hour": 12, "minute": 50}
